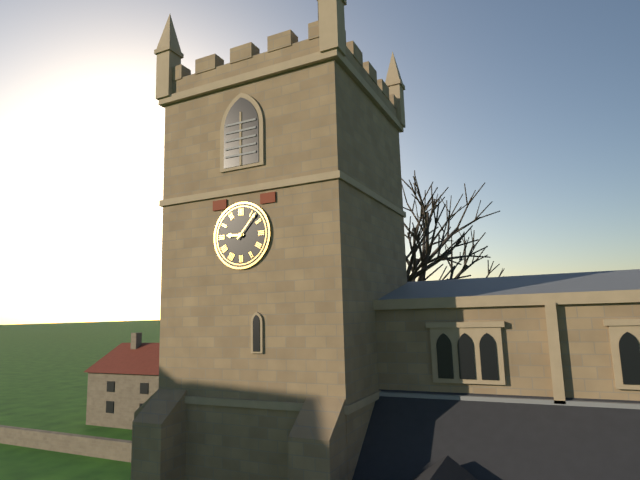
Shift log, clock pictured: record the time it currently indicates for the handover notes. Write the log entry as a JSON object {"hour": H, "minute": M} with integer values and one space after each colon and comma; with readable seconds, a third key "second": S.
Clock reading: {"hour": 9, "minute": 7}
